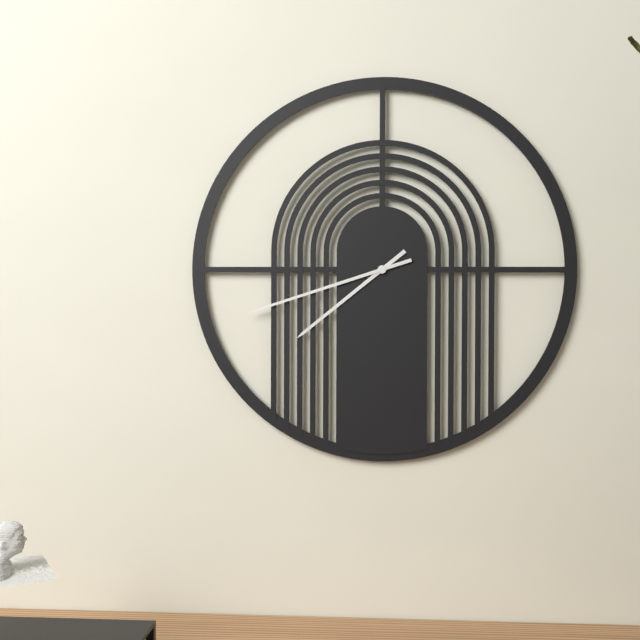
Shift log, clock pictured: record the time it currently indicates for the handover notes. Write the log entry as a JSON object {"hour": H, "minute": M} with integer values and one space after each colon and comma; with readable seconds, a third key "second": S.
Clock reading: {"hour": 7, "minute": 42}
